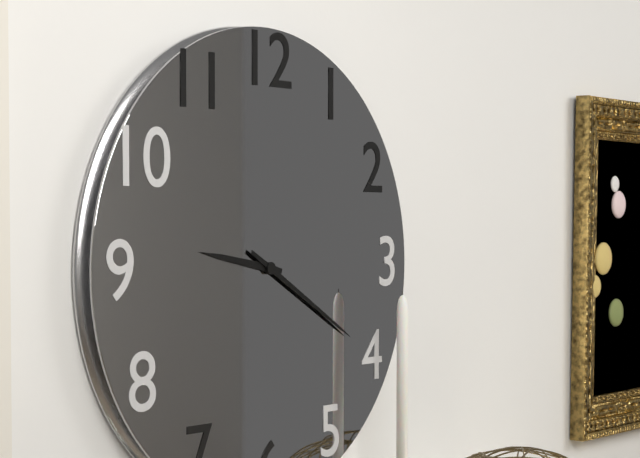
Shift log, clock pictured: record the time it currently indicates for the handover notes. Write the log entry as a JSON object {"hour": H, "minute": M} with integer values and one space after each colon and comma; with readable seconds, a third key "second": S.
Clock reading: {"hour": 9, "minute": 20}
